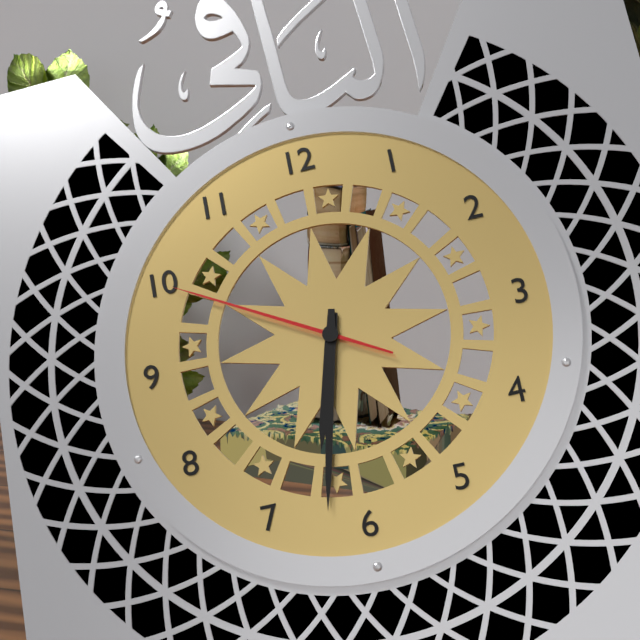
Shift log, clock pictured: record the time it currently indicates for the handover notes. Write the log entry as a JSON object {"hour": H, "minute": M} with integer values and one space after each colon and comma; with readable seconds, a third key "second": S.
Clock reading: {"hour": 6, "minute": 32, "second": 50}
